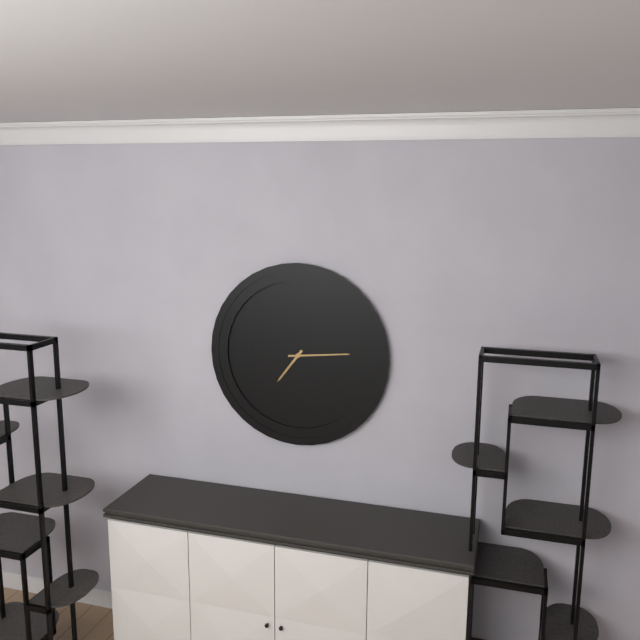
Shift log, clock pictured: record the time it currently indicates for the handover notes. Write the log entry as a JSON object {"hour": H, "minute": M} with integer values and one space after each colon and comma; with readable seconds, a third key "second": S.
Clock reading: {"hour": 7, "minute": 14}
